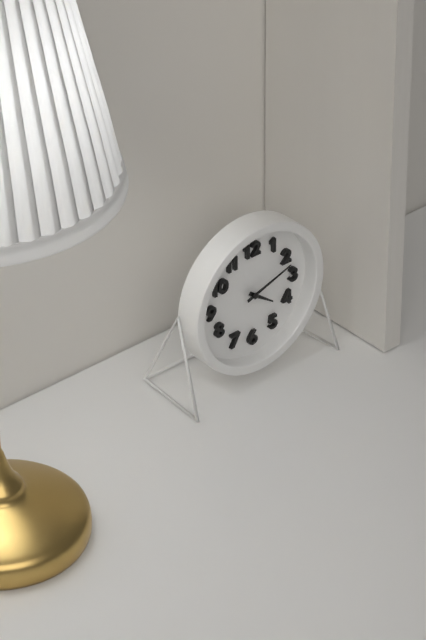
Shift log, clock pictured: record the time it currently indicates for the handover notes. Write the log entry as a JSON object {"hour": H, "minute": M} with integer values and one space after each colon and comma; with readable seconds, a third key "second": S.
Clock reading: {"hour": 4, "minute": 12}
